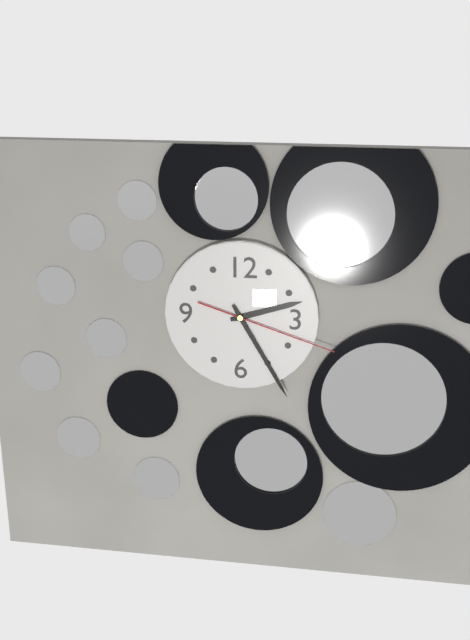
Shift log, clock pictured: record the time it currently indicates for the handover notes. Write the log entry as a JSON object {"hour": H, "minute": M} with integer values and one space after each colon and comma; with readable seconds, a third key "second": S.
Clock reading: {"hour": 2, "minute": 25, "second": 18}
